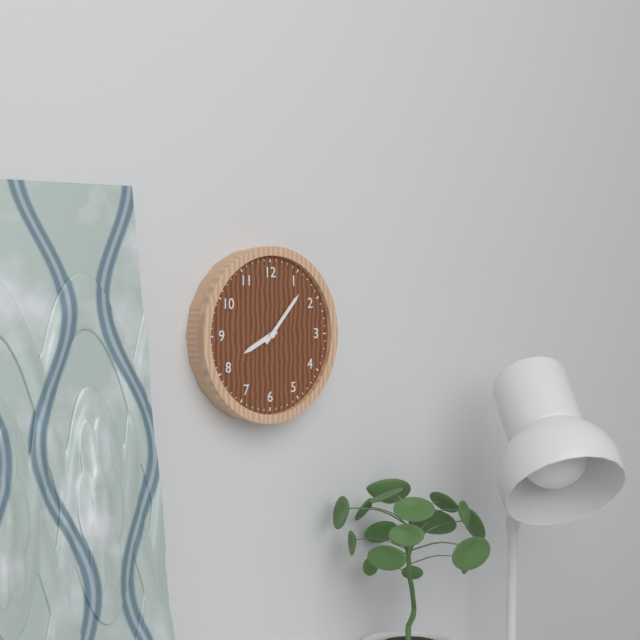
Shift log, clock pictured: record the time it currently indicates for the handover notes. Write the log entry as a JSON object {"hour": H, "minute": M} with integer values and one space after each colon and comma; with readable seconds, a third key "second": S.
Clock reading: {"hour": 8, "minute": 7}
